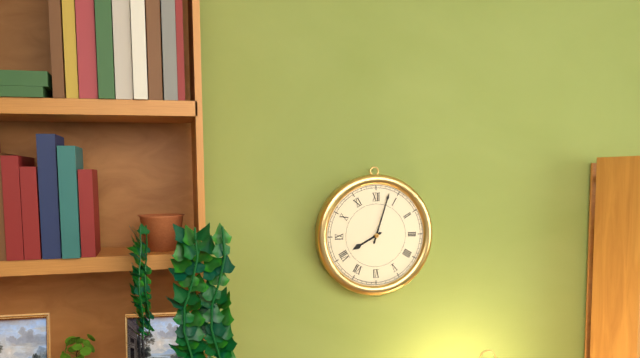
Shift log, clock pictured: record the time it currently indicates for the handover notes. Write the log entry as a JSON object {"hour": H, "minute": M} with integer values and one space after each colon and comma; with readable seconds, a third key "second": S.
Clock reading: {"hour": 8, "minute": 3}
